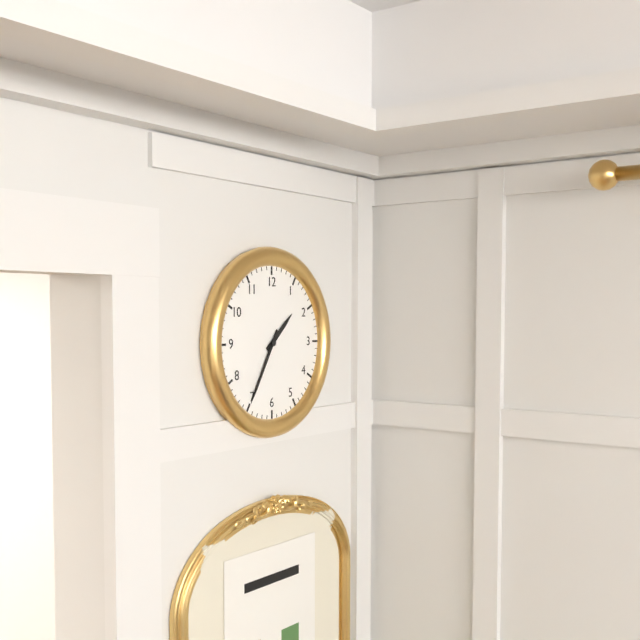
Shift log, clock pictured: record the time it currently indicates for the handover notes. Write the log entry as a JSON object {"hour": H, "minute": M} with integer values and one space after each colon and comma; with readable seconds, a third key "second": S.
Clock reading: {"hour": 1, "minute": 35}
